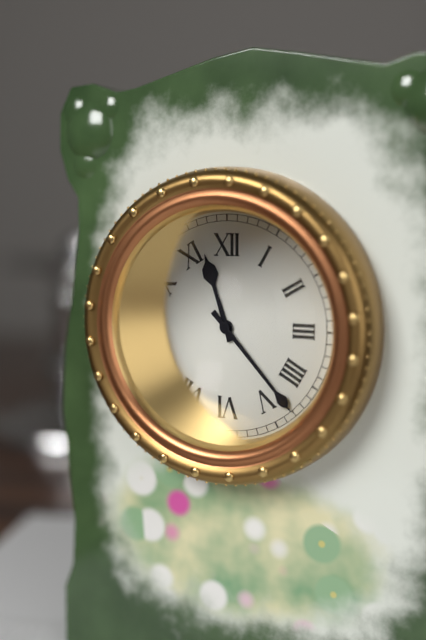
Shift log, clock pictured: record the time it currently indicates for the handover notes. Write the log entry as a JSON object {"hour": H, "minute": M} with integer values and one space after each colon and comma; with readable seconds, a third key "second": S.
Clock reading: {"hour": 11, "minute": 23}
